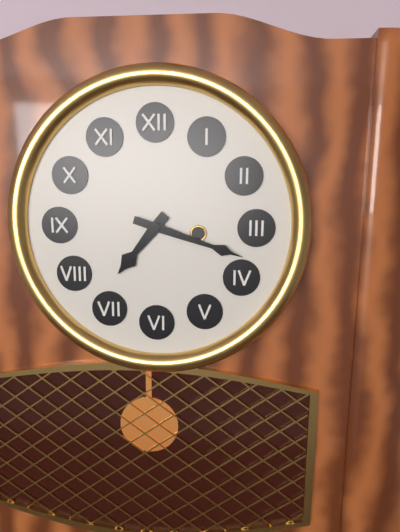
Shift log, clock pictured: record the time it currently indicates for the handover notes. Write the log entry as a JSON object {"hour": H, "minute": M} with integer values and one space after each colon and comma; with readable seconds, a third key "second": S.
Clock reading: {"hour": 7, "minute": 18}
